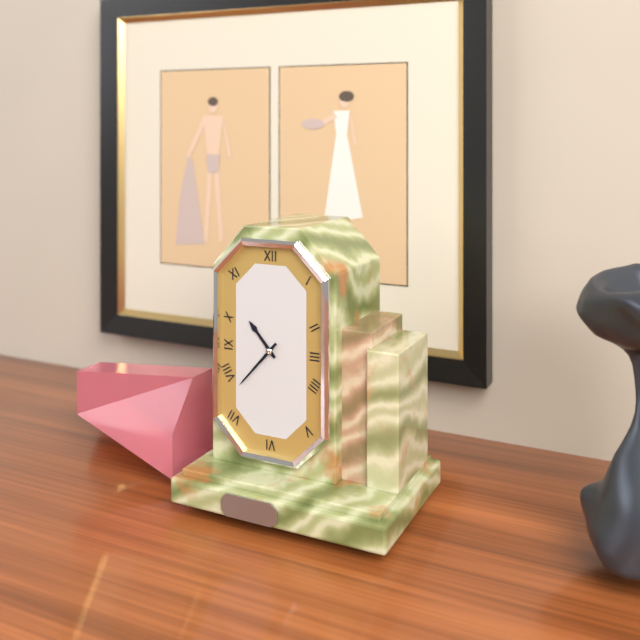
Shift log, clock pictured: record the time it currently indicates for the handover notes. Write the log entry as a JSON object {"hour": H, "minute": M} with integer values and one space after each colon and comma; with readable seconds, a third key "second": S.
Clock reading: {"hour": 10, "minute": 37}
